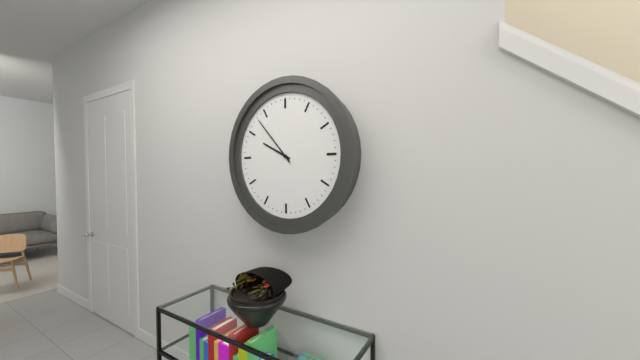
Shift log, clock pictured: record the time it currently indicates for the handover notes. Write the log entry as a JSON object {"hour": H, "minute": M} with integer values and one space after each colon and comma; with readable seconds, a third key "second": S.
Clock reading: {"hour": 9, "minute": 53}
